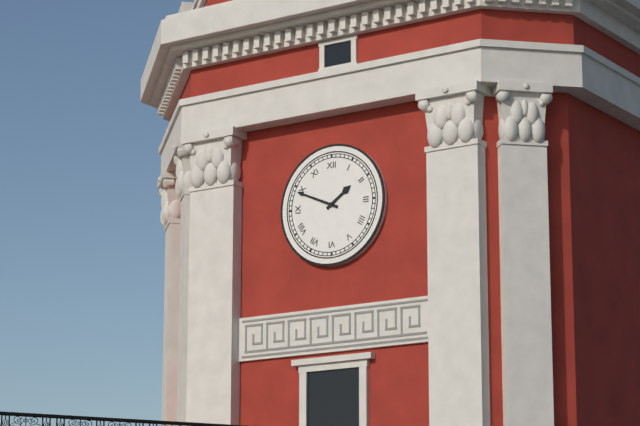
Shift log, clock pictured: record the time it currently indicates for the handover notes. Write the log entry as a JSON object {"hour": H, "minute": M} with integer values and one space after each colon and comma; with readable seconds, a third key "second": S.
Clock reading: {"hour": 1, "minute": 49}
